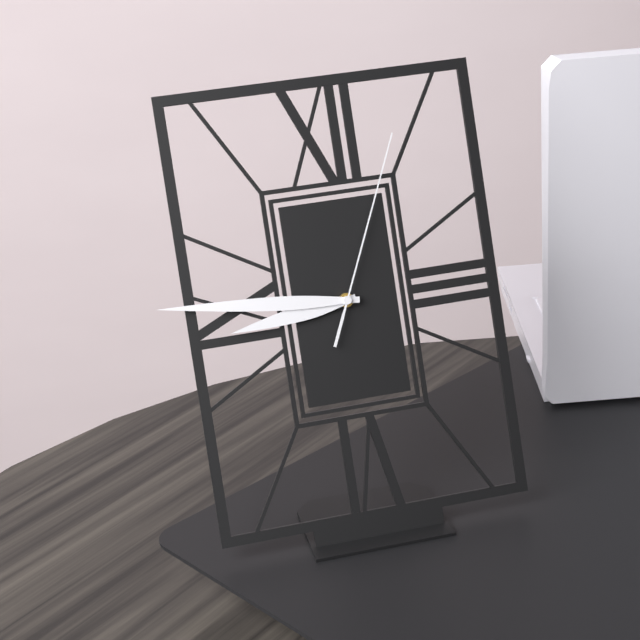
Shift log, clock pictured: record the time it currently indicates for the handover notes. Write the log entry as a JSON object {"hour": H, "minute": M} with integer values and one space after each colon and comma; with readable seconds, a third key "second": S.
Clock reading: {"hour": 8, "minute": 46, "second": 4}
